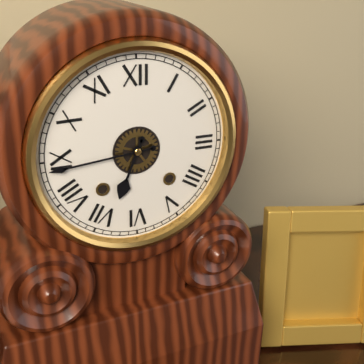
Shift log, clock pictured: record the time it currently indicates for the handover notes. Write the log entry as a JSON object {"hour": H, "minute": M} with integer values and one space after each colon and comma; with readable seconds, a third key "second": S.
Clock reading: {"hour": 6, "minute": 44}
